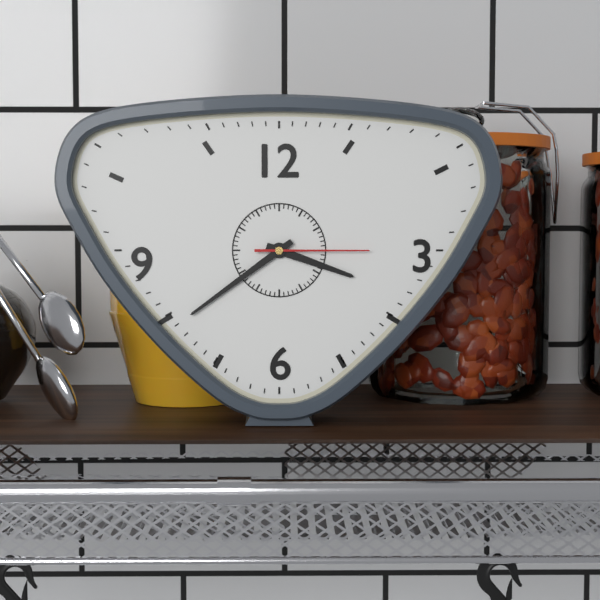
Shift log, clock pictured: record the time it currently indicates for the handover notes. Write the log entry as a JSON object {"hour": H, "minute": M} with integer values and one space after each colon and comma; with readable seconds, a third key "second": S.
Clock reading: {"hour": 3, "minute": 39, "second": 15}
